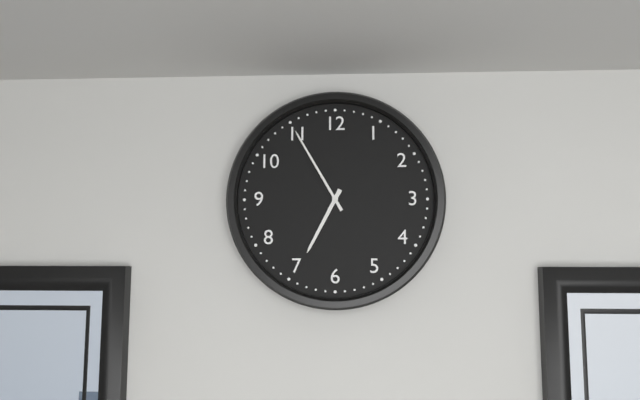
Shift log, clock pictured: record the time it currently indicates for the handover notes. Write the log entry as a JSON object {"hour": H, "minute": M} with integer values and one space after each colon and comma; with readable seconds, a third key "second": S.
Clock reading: {"hour": 6, "minute": 55}
